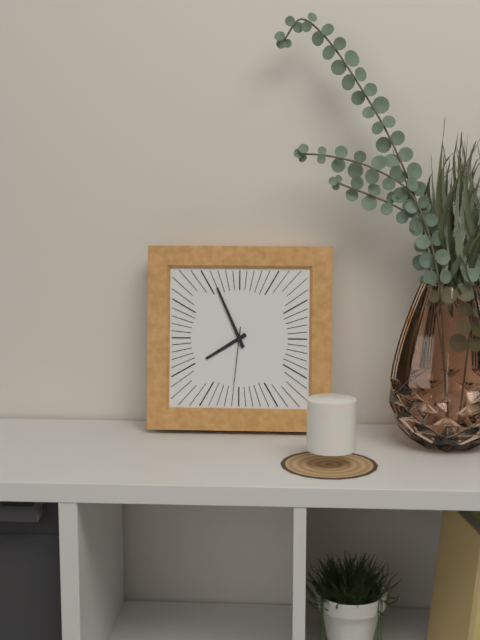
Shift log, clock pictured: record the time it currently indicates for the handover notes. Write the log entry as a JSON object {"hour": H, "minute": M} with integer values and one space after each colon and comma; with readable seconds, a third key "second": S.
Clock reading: {"hour": 7, "minute": 56, "second": 31}
